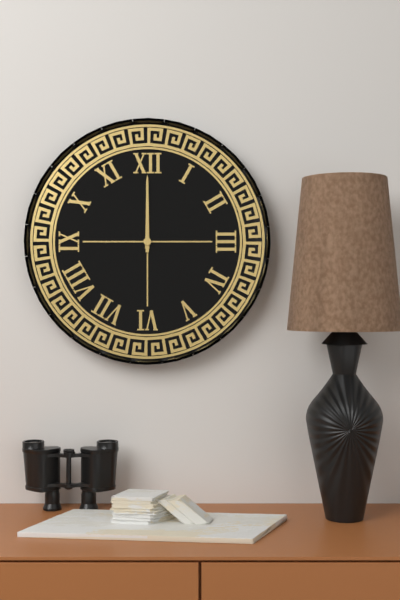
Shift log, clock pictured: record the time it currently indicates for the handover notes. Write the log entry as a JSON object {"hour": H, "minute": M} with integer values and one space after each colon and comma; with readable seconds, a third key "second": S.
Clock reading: {"hour": 12, "minute": 0}
